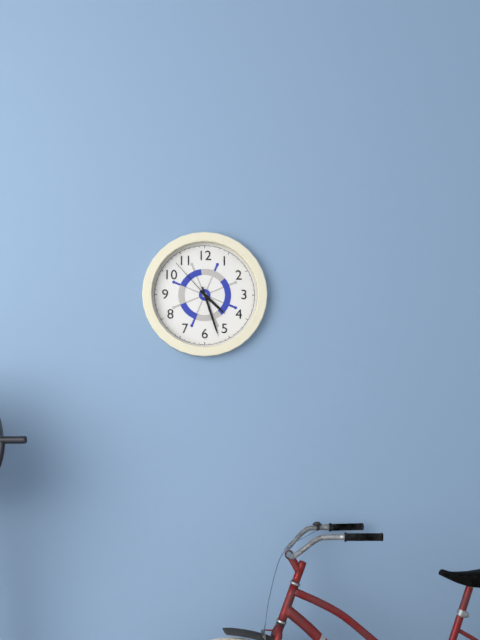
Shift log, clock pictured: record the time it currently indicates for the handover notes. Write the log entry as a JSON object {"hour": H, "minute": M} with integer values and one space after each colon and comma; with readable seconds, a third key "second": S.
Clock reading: {"hour": 4, "minute": 27, "second": 53}
